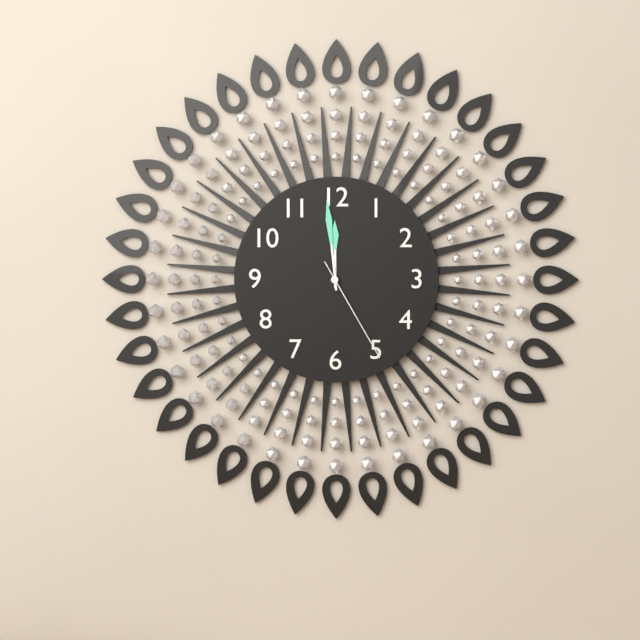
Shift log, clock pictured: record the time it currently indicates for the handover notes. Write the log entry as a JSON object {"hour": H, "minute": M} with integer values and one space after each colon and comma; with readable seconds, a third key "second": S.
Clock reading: {"hour": 11, "minute": 59, "second": 25}
